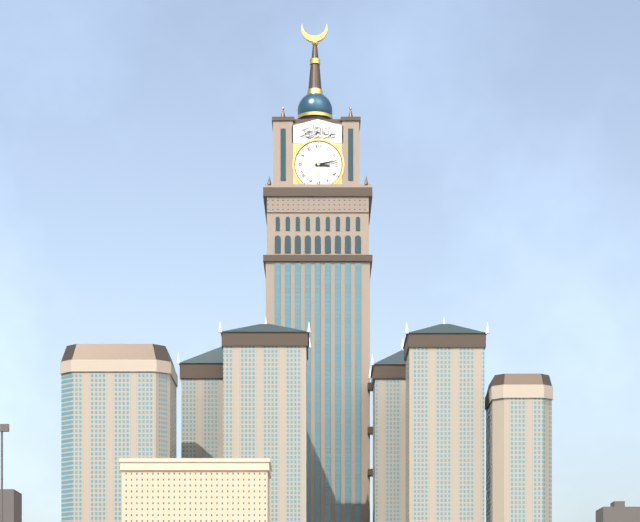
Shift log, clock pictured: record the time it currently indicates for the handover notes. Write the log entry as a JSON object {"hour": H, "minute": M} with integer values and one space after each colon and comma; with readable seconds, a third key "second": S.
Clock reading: {"hour": 3, "minute": 13}
